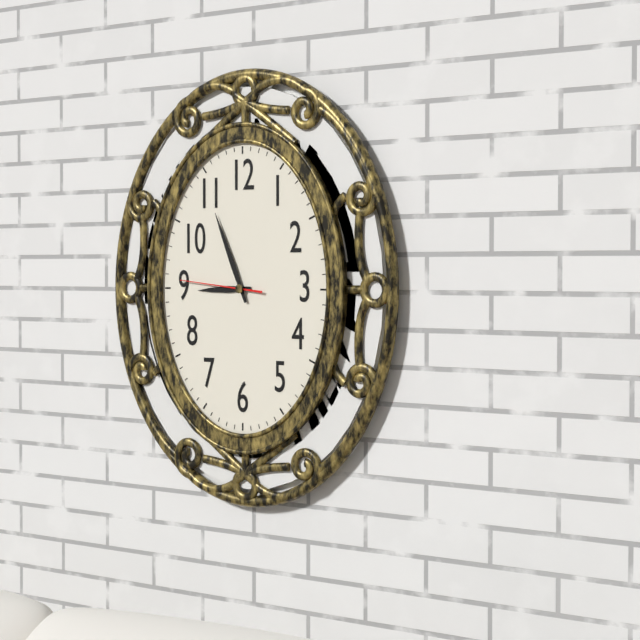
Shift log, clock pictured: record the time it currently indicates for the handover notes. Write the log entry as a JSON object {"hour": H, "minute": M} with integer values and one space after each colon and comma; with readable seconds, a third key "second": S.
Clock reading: {"hour": 8, "minute": 56, "second": 46}
